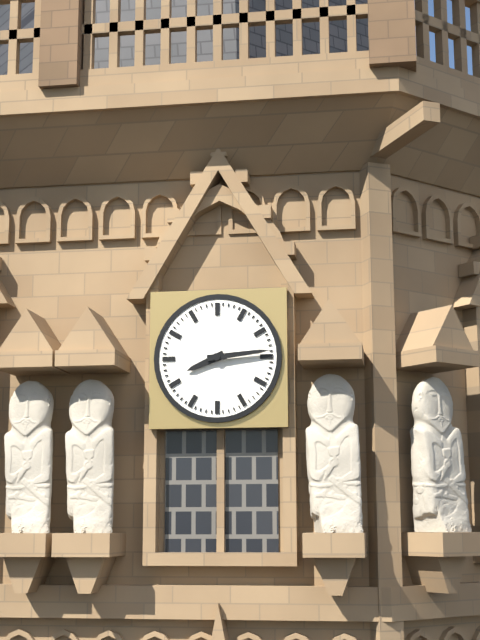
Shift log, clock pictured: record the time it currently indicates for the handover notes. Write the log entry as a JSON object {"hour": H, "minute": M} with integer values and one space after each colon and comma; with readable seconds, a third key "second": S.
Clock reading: {"hour": 8, "minute": 14}
